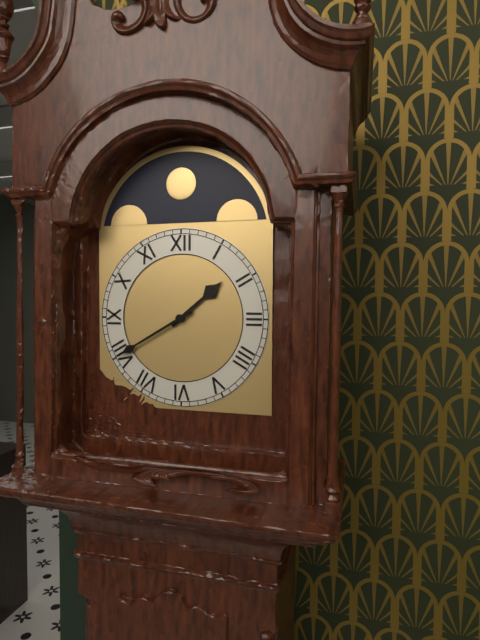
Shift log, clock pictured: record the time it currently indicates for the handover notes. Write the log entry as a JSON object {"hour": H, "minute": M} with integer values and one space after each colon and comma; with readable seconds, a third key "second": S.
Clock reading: {"hour": 1, "minute": 40}
